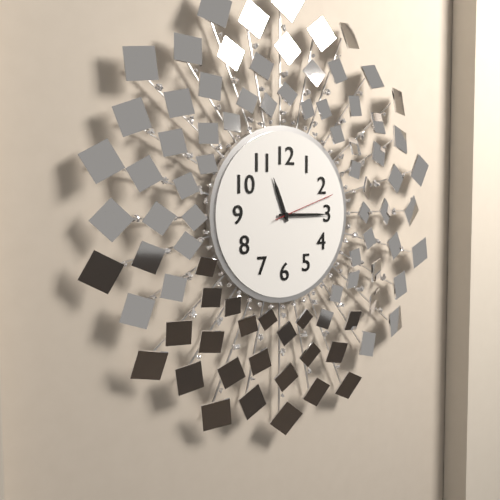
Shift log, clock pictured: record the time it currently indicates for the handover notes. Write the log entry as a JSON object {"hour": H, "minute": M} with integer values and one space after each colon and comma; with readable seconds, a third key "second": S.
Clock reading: {"hour": 11, "minute": 15, "second": 12}
